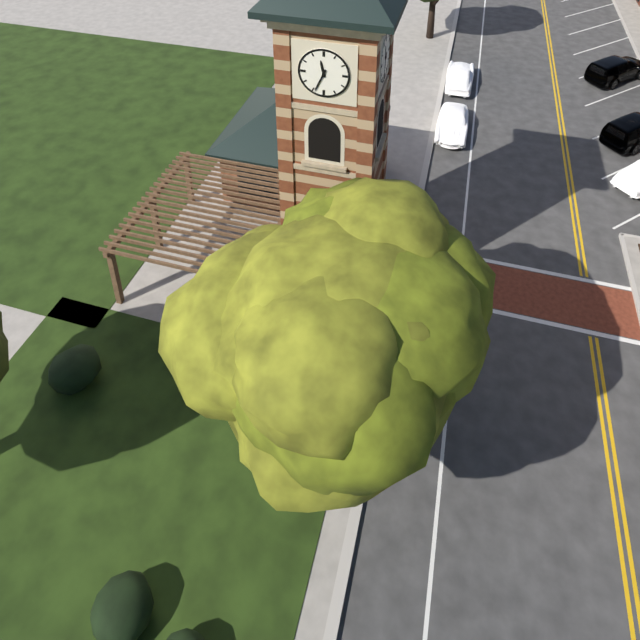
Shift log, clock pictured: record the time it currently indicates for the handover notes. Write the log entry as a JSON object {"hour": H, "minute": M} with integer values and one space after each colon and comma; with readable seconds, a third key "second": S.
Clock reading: {"hour": 11, "minute": 34}
